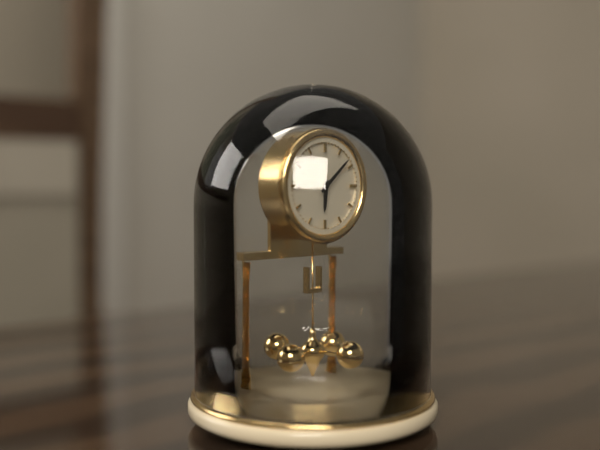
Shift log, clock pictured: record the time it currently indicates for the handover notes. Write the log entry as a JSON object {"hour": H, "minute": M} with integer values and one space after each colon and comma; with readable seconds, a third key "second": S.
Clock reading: {"hour": 6, "minute": 8}
